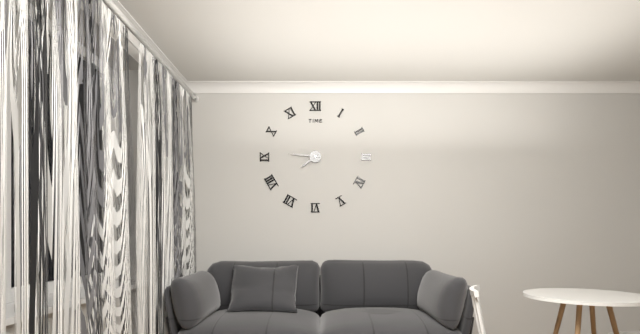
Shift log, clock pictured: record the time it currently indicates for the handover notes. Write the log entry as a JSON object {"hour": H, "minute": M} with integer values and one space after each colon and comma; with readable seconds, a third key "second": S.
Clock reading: {"hour": 7, "minute": 46}
